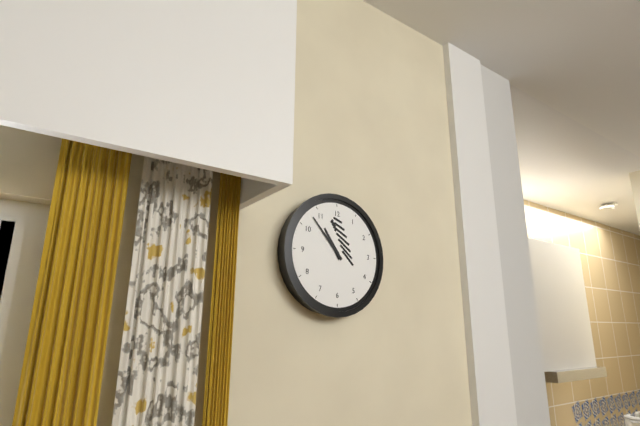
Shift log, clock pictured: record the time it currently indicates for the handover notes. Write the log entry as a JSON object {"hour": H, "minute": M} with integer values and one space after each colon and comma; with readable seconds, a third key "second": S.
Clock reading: {"hour": 10, "minute": 53}
